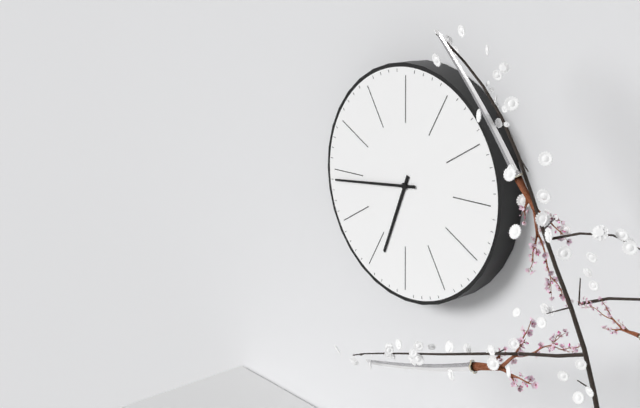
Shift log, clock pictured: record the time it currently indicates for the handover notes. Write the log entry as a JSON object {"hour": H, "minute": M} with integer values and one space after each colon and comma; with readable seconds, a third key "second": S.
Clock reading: {"hour": 6, "minute": 44}
